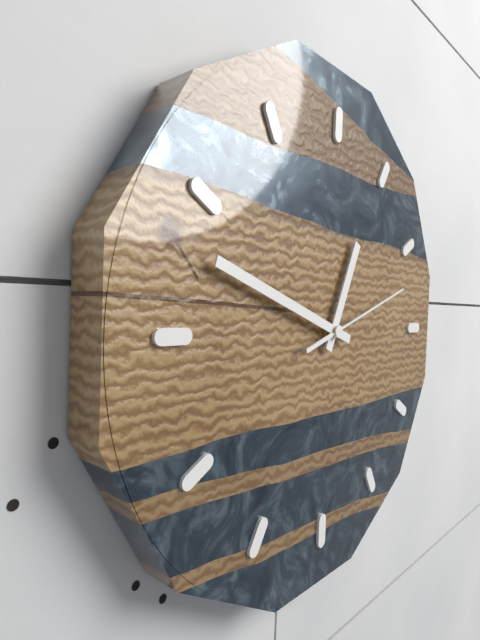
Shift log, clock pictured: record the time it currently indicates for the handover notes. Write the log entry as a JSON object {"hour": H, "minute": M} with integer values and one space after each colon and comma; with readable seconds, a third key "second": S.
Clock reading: {"hour": 12, "minute": 48, "second": 12}
